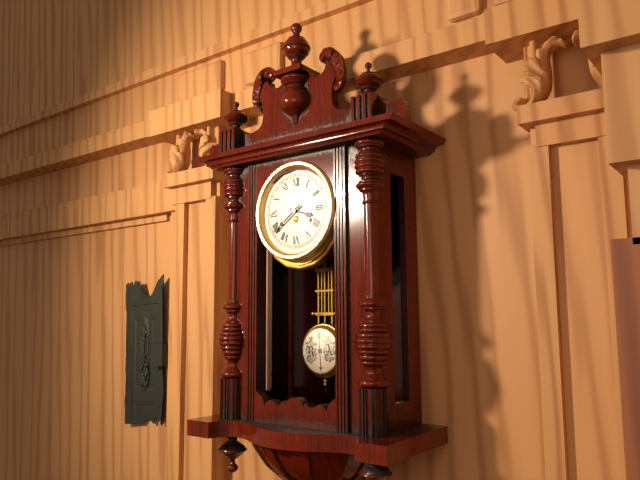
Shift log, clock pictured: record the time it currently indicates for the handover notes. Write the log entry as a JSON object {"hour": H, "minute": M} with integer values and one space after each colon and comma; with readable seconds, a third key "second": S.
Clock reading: {"hour": 3, "minute": 39}
